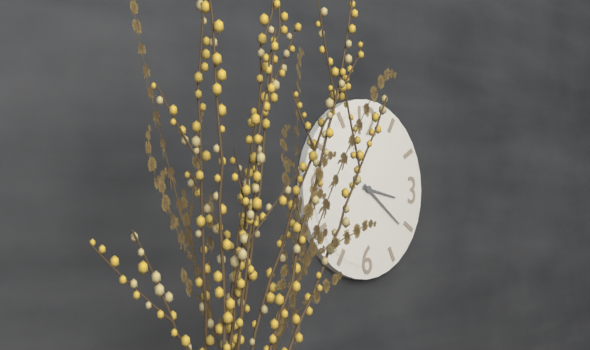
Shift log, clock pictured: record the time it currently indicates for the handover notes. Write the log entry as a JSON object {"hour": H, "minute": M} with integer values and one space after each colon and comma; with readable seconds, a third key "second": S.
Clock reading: {"hour": 3, "minute": 21}
